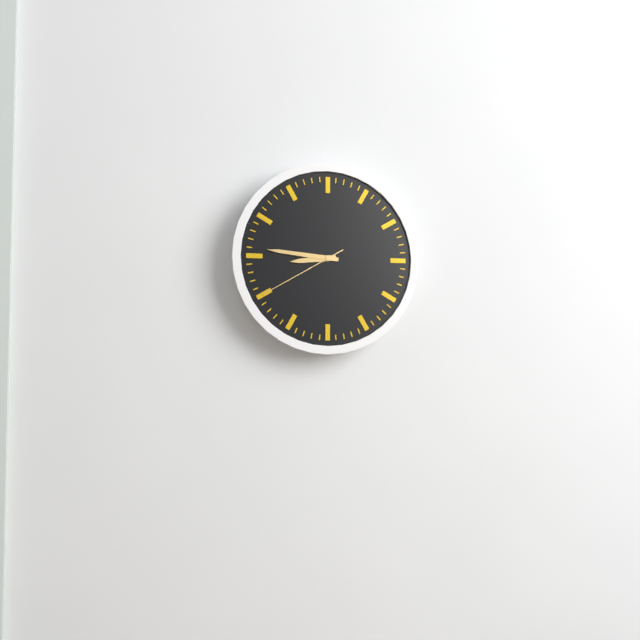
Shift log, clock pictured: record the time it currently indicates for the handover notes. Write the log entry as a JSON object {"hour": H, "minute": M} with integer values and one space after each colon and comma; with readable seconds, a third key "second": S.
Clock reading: {"hour": 8, "minute": 46, "second": 40}
